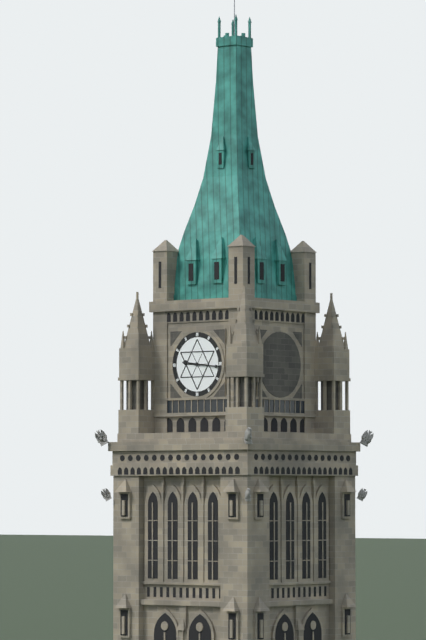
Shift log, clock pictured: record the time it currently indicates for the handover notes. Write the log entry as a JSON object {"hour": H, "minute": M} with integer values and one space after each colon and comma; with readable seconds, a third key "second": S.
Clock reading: {"hour": 9, "minute": 16}
